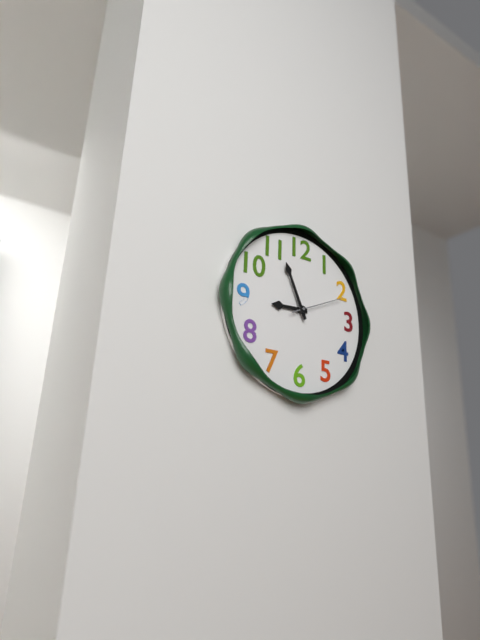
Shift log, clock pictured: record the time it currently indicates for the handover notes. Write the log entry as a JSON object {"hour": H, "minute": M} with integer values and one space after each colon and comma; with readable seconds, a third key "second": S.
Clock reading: {"hour": 8, "minute": 56, "second": 11}
